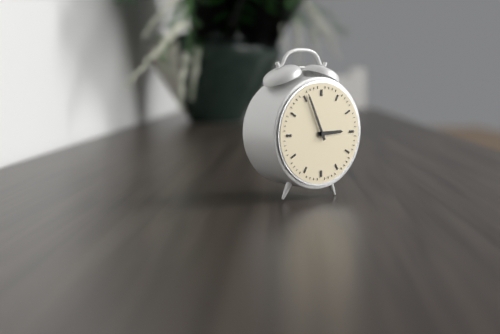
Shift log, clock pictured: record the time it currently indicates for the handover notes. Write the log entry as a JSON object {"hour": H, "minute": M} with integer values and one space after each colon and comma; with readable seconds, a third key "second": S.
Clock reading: {"hour": 2, "minute": 56}
